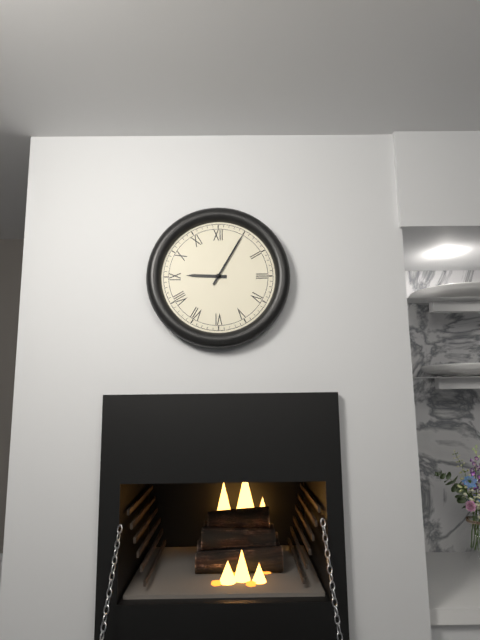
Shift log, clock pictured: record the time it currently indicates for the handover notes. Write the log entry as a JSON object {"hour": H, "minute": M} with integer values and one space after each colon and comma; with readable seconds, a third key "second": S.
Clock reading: {"hour": 9, "minute": 5}
